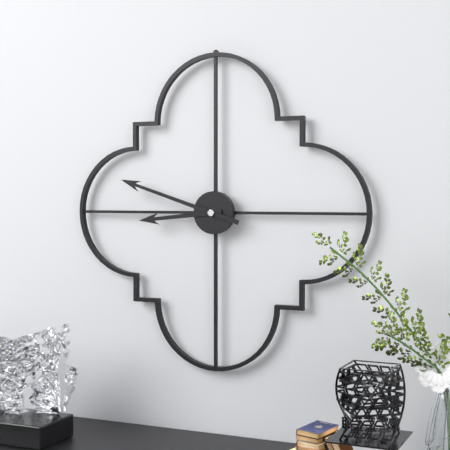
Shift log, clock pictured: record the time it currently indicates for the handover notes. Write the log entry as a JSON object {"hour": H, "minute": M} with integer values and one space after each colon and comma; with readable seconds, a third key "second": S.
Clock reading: {"hour": 8, "minute": 48}
